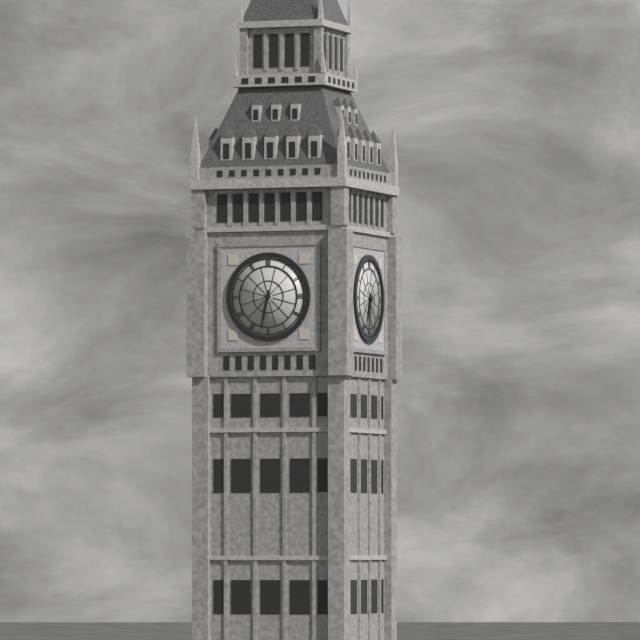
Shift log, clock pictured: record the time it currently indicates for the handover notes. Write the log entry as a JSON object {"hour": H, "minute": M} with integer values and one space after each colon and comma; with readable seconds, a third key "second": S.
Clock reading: {"hour": 6, "minute": 32}
